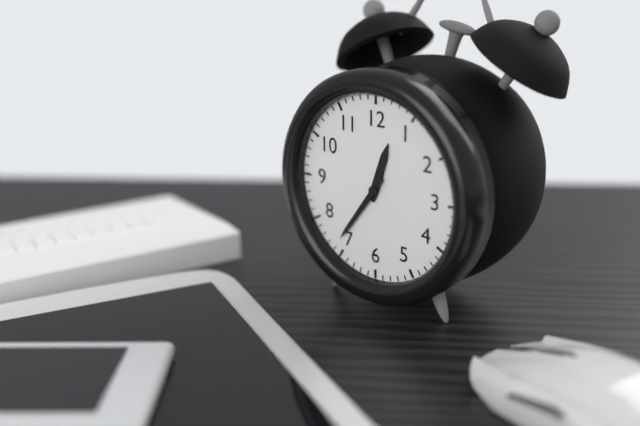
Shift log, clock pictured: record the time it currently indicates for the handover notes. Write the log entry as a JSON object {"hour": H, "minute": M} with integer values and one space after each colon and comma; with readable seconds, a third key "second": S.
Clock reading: {"hour": 12, "minute": 36}
